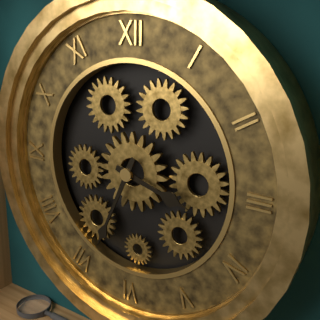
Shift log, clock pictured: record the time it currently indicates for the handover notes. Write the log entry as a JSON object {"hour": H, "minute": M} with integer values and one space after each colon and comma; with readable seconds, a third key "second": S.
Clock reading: {"hour": 3, "minute": 34}
